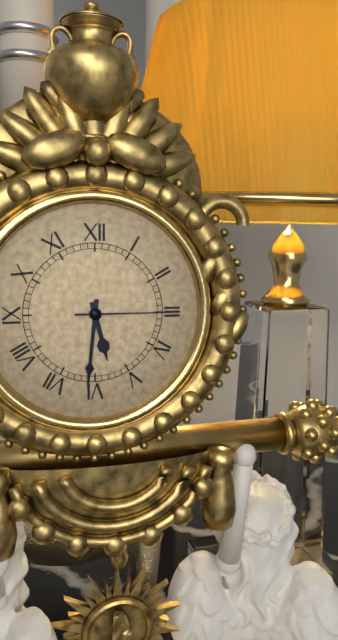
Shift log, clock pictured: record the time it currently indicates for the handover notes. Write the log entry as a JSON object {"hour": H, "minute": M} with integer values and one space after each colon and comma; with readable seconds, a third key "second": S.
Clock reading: {"hour": 5, "minute": 31, "second": 15}
